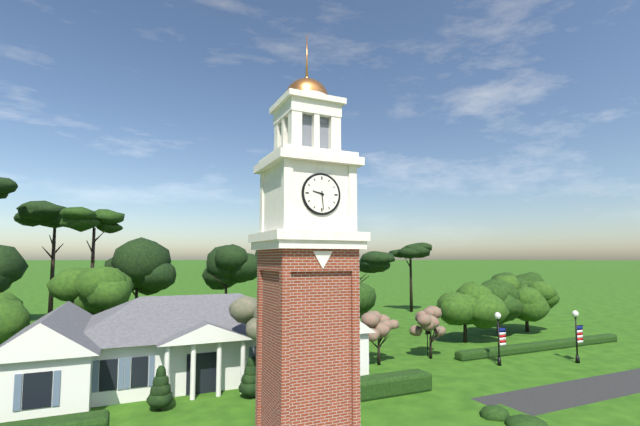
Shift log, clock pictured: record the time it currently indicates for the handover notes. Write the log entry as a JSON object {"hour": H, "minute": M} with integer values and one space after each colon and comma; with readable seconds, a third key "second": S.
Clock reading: {"hour": 9, "minute": 29}
